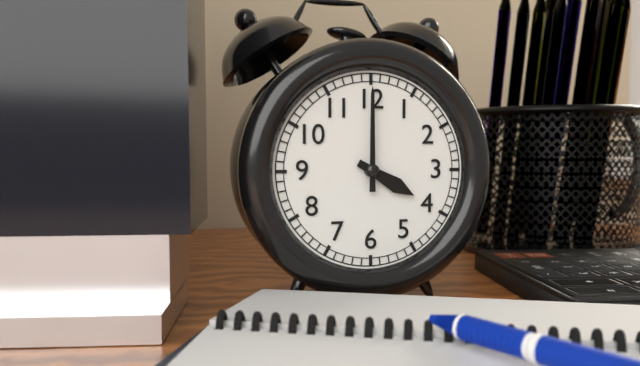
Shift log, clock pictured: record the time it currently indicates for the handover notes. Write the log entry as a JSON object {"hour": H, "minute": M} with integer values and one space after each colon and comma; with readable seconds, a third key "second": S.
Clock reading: {"hour": 4, "minute": 0}
